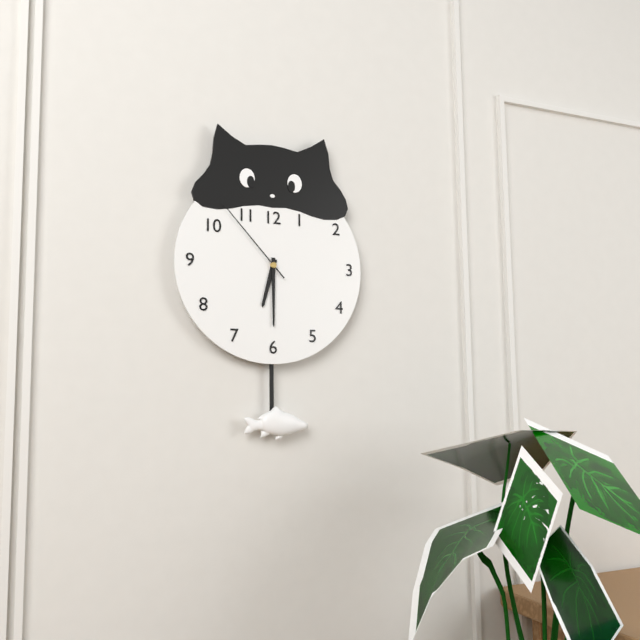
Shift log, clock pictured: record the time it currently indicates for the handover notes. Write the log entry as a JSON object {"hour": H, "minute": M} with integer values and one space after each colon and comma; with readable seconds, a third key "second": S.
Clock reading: {"hour": 6, "minute": 30, "second": 53}
